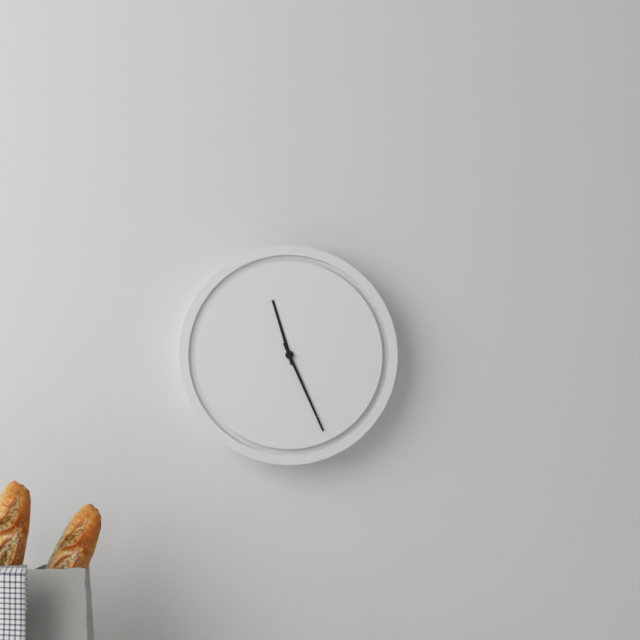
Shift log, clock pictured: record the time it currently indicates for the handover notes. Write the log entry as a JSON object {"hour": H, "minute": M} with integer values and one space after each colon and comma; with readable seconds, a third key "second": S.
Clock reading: {"hour": 11, "minute": 26}
